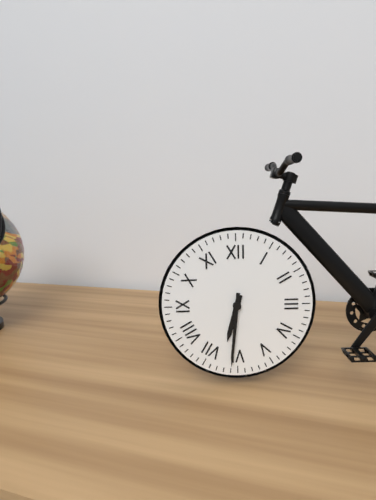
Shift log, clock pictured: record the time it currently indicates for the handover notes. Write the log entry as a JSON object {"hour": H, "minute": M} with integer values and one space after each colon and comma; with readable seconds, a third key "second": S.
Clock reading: {"hour": 6, "minute": 31}
